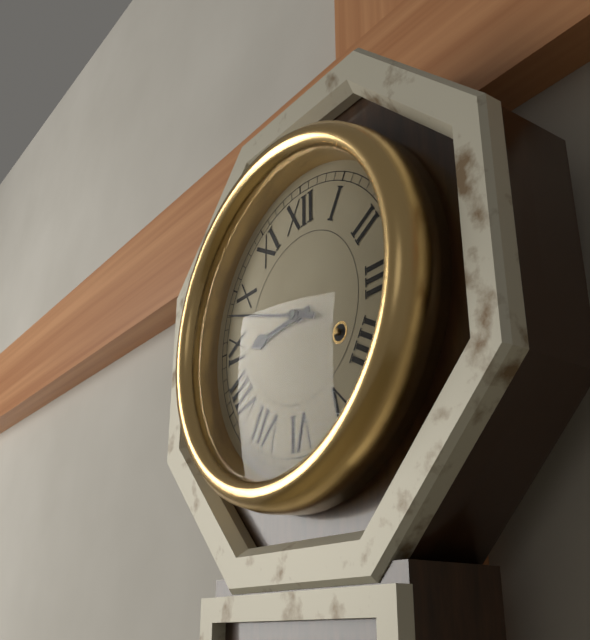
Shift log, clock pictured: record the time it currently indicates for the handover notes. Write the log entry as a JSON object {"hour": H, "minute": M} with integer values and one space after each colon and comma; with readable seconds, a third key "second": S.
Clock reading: {"hour": 8, "minute": 48}
